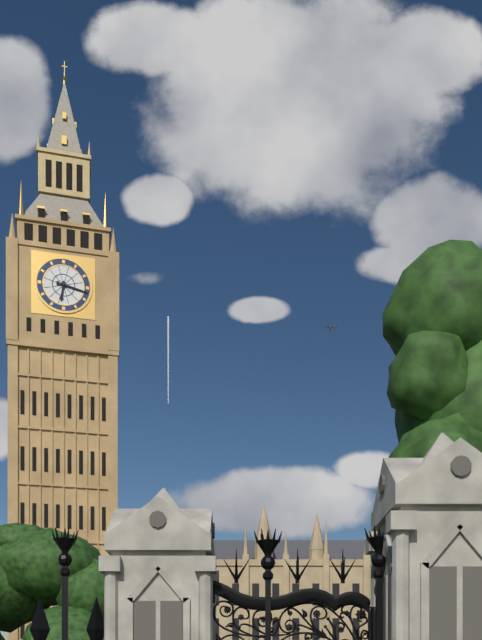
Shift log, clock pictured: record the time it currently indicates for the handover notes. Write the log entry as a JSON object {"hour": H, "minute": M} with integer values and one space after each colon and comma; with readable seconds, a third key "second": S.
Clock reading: {"hour": 6, "minute": 17}
